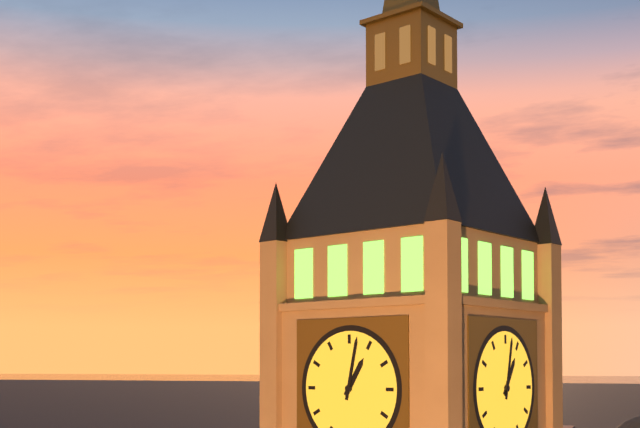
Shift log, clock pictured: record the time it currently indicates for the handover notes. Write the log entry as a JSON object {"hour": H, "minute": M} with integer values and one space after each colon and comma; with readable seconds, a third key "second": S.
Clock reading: {"hour": 1, "minute": 2}
